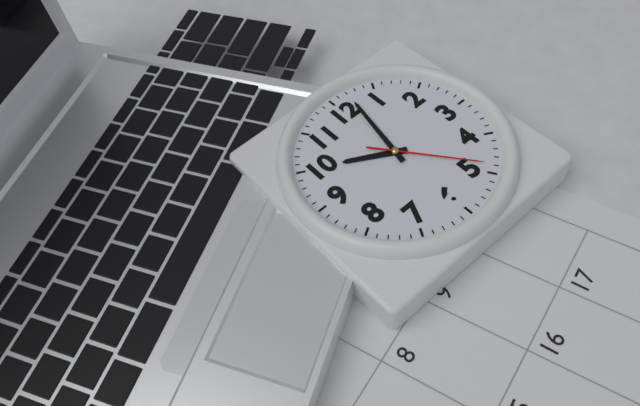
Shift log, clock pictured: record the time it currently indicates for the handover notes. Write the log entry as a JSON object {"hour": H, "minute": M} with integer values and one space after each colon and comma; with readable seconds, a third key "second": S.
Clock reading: {"hour": 10, "minute": 2, "second": 24}
